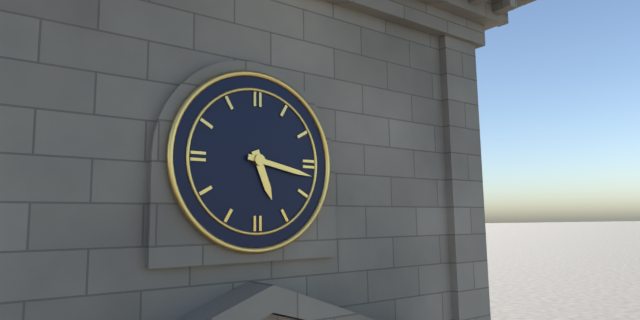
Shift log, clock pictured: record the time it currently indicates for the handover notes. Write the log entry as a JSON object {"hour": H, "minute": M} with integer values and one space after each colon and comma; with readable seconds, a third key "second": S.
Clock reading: {"hour": 5, "minute": 17}
